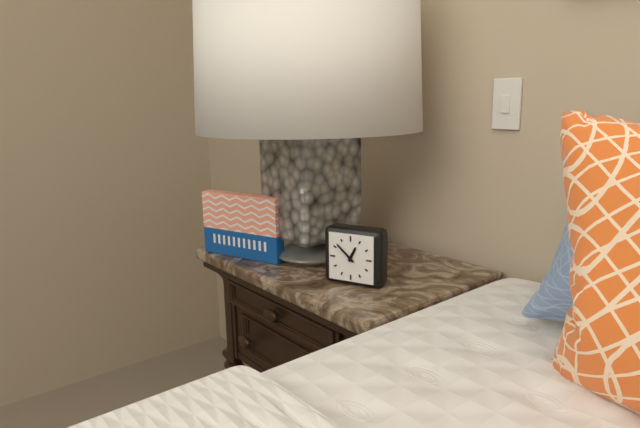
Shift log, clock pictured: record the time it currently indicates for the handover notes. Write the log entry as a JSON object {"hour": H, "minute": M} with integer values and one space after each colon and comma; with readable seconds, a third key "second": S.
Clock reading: {"hour": 12, "minute": 52}
